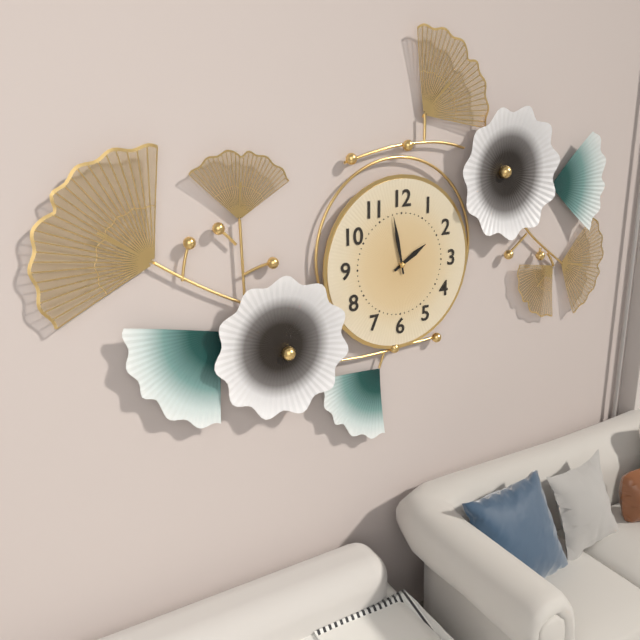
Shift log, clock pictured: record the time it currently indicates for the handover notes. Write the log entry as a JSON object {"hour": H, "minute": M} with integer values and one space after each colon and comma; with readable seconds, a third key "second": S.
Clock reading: {"hour": 1, "minute": 58}
